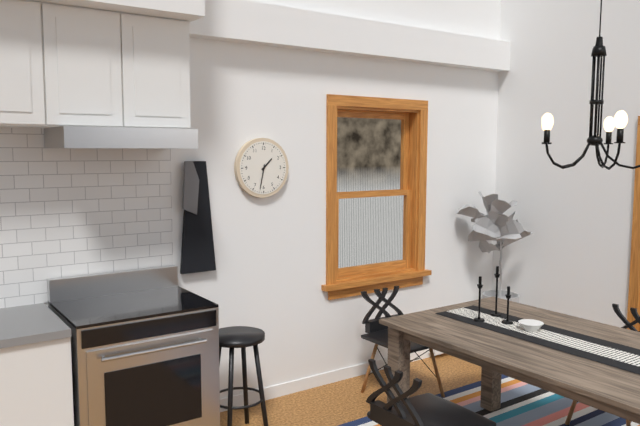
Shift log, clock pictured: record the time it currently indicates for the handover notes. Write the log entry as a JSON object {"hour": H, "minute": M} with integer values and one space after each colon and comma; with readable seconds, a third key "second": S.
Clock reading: {"hour": 1, "minute": 32}
